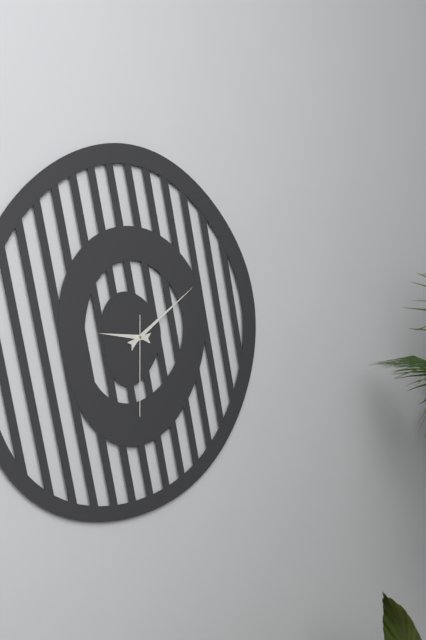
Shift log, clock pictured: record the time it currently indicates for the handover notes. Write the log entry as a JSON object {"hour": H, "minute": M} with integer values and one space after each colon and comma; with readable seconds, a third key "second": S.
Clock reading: {"hour": 9, "minute": 9, "second": 30}
